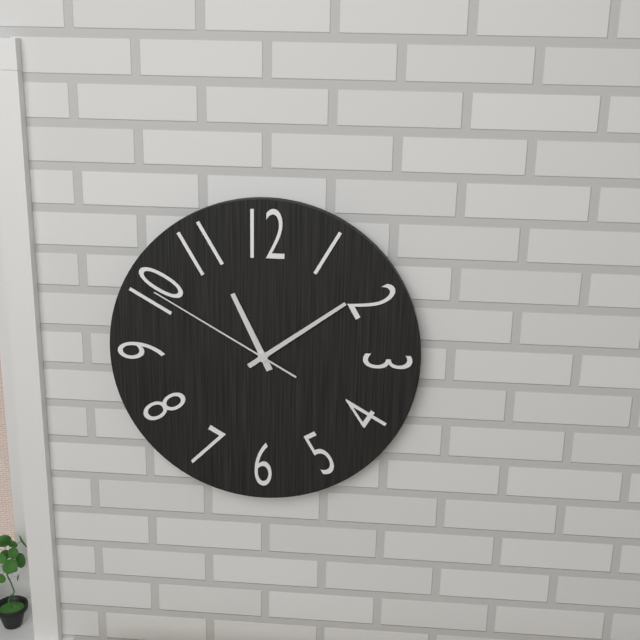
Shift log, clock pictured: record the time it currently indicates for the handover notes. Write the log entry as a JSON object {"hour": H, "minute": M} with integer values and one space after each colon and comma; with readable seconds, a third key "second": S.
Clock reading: {"hour": 11, "minute": 9, "second": 50}
